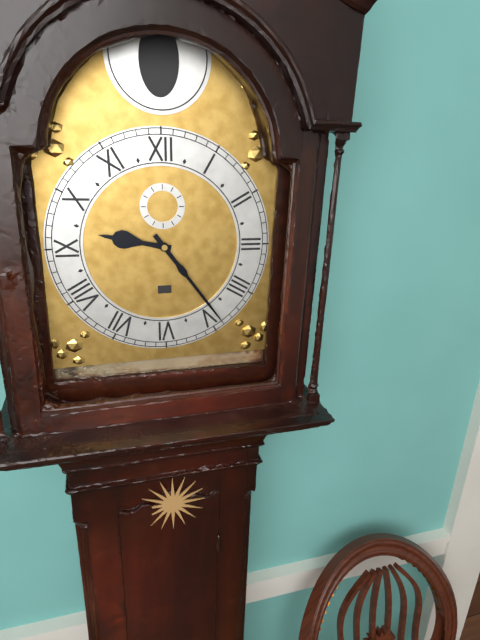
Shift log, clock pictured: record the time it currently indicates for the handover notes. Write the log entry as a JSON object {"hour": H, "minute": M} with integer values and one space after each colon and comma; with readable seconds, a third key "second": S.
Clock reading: {"hour": 9, "minute": 24}
